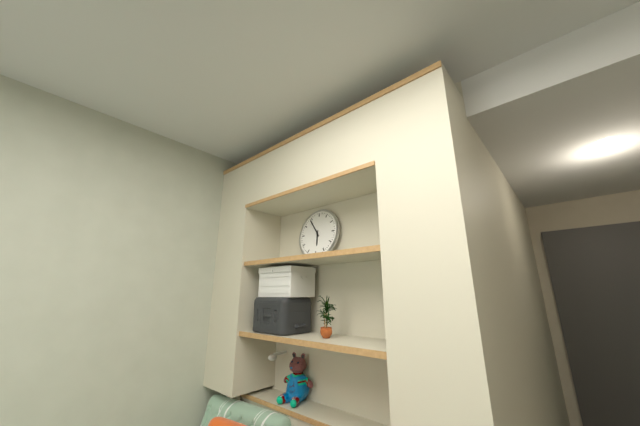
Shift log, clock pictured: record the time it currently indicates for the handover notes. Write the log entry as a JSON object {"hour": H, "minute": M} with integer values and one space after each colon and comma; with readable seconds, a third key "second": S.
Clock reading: {"hour": 5, "minute": 54}
